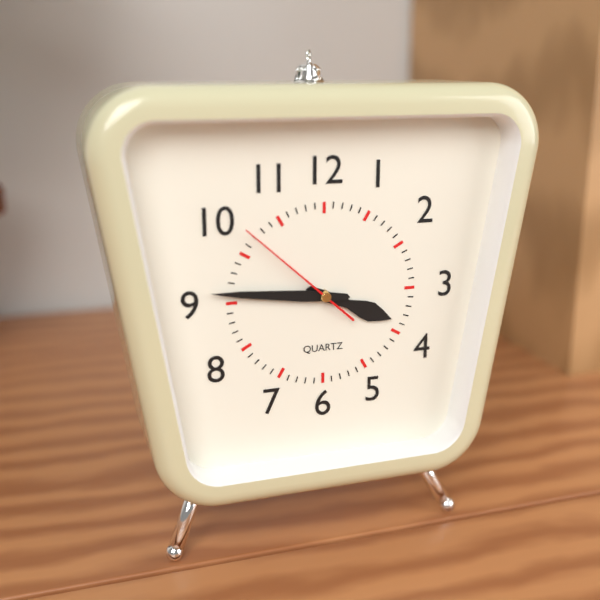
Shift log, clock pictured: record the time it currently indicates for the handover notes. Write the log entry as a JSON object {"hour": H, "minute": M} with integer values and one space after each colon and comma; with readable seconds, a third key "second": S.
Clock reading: {"hour": 3, "minute": 46, "second": 52}
